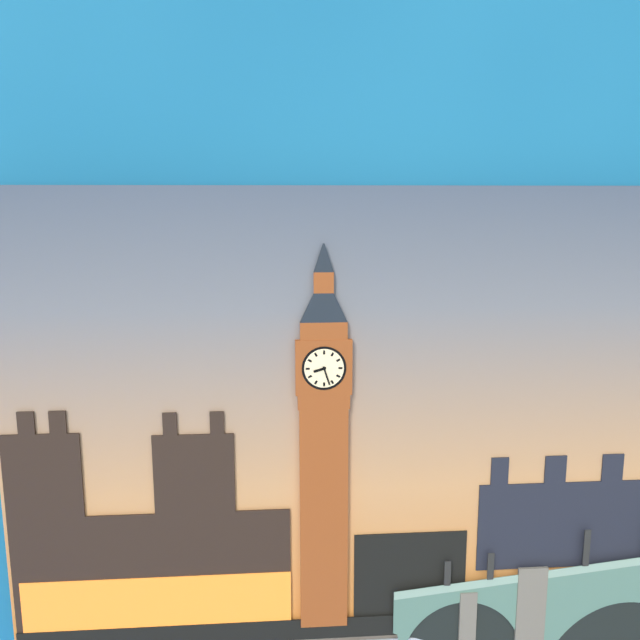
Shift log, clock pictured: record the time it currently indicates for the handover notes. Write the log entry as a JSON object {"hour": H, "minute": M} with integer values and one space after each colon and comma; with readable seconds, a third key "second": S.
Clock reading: {"hour": 8, "minute": 27}
